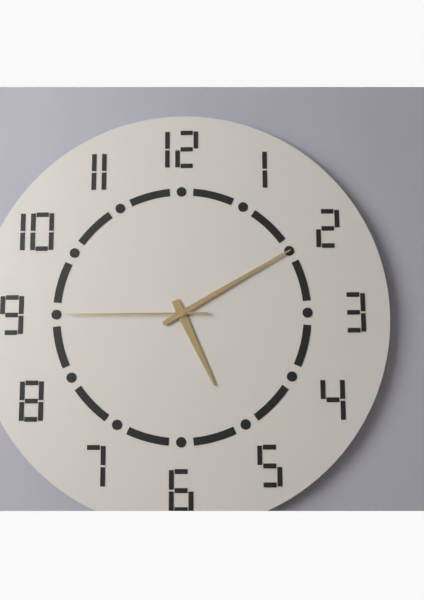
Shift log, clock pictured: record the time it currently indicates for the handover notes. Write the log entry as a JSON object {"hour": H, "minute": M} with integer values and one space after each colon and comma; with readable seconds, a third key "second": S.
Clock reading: {"hour": 5, "minute": 10, "second": 45}
